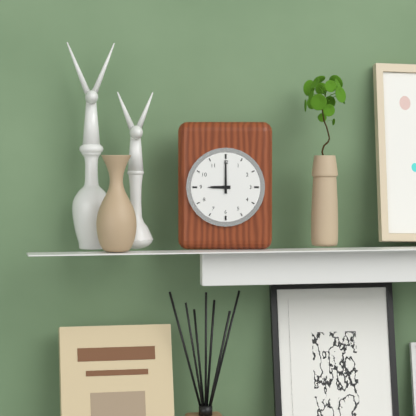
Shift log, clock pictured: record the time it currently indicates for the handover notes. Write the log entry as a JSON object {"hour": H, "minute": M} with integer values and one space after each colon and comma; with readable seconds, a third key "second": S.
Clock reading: {"hour": 9, "minute": 0}
